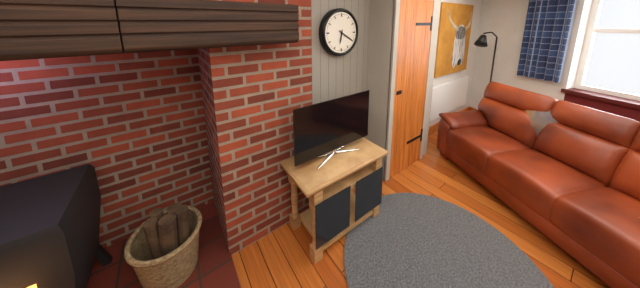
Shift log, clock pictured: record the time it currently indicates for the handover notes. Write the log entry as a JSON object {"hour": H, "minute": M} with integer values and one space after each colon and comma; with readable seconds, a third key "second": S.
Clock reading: {"hour": 6, "minute": 20}
